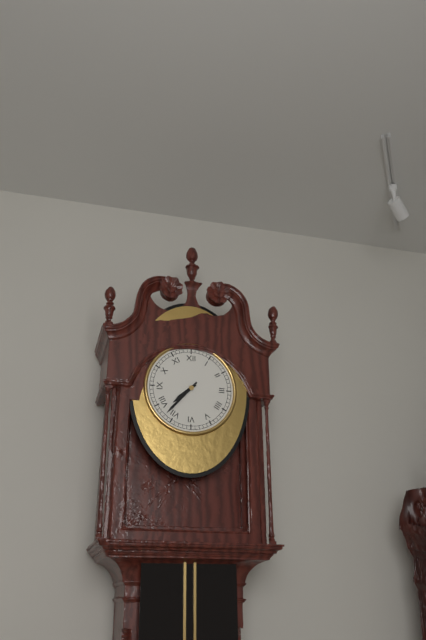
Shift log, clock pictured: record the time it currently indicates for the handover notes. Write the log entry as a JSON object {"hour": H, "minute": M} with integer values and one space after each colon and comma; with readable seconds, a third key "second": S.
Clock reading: {"hour": 7, "minute": 37}
